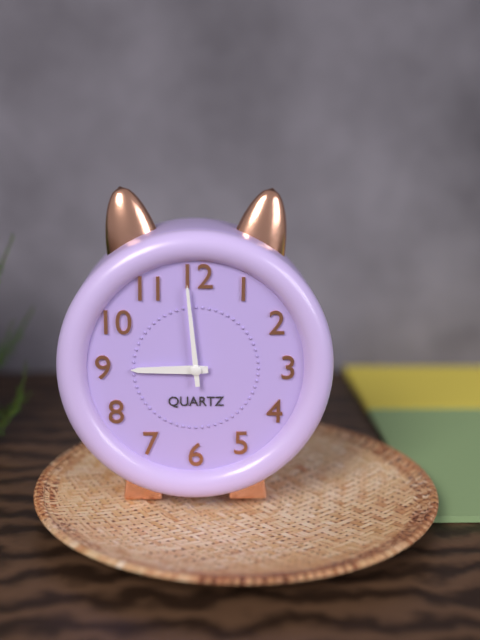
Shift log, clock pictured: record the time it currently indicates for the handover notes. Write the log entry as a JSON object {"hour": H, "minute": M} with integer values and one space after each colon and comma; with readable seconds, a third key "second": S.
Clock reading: {"hour": 8, "minute": 59}
